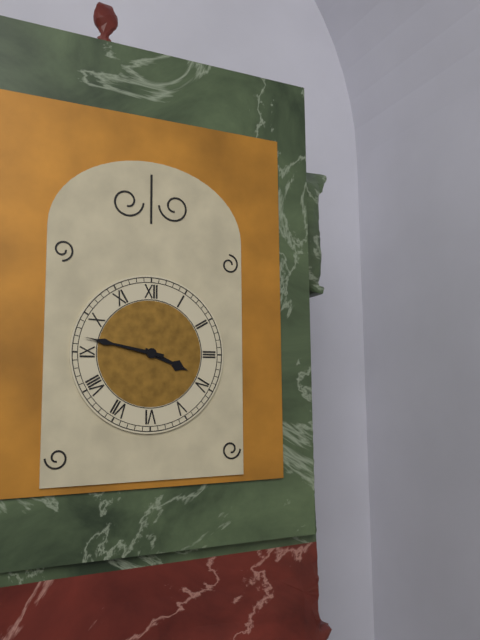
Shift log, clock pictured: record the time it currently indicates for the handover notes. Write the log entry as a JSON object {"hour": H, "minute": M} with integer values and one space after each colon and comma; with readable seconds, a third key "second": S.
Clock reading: {"hour": 3, "minute": 47}
